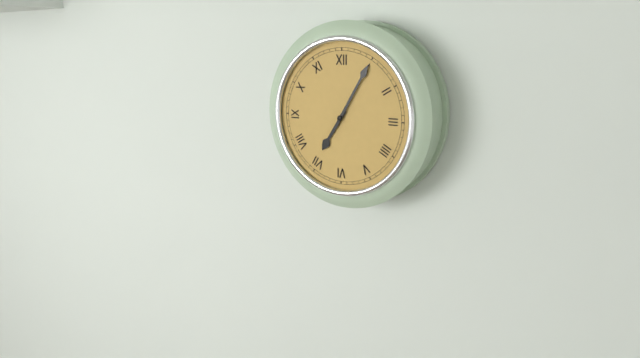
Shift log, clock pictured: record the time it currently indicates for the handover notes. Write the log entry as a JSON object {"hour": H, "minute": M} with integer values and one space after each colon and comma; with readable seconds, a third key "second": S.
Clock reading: {"hour": 7, "minute": 5}
